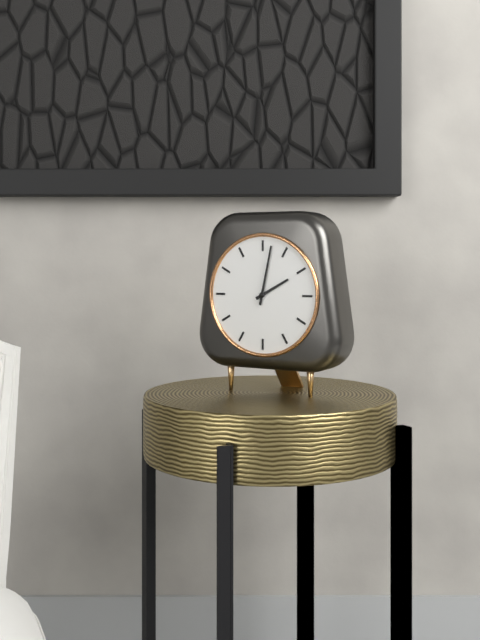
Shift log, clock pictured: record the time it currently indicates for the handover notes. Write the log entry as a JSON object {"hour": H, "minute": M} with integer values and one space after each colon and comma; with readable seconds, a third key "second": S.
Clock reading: {"hour": 2, "minute": 2}
